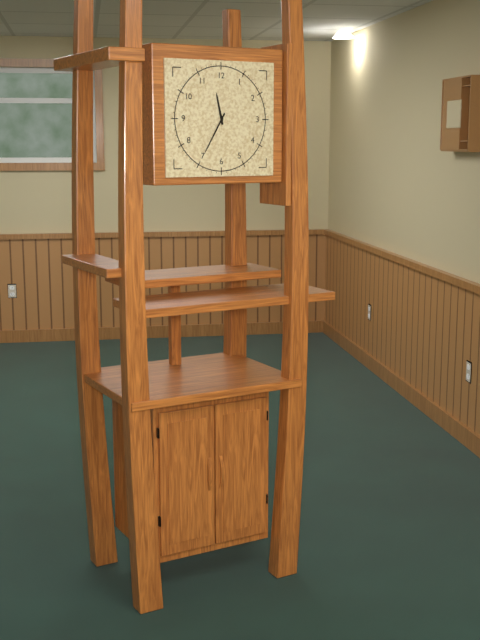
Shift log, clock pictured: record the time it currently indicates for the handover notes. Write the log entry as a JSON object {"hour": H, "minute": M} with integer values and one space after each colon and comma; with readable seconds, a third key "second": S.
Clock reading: {"hour": 11, "minute": 35}
